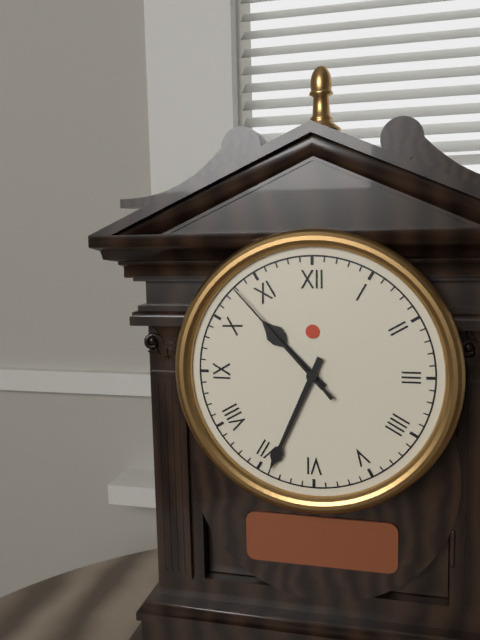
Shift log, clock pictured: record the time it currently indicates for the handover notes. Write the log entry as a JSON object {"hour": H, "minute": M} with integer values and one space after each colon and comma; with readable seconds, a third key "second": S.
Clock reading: {"hour": 10, "minute": 34, "second": 53}
